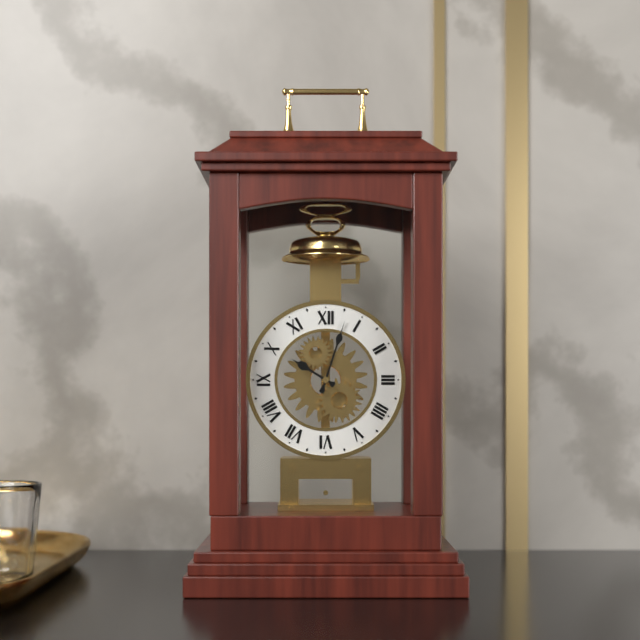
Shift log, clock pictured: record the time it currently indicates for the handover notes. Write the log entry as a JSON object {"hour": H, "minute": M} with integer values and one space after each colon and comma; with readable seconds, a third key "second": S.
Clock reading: {"hour": 10, "minute": 3}
